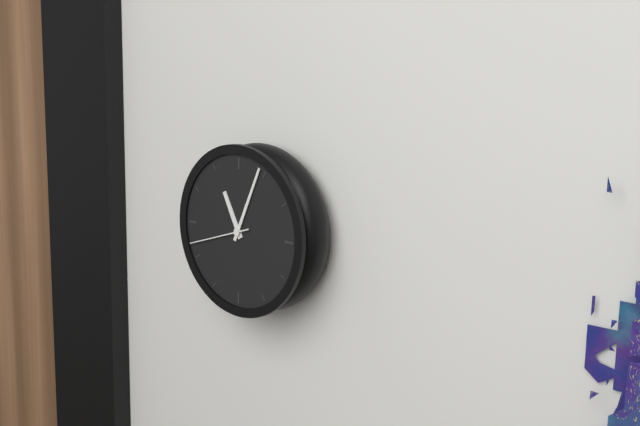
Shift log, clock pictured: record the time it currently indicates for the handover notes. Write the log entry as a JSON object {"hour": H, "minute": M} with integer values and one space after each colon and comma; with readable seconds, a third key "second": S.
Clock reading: {"hour": 11, "minute": 4, "second": 42}
